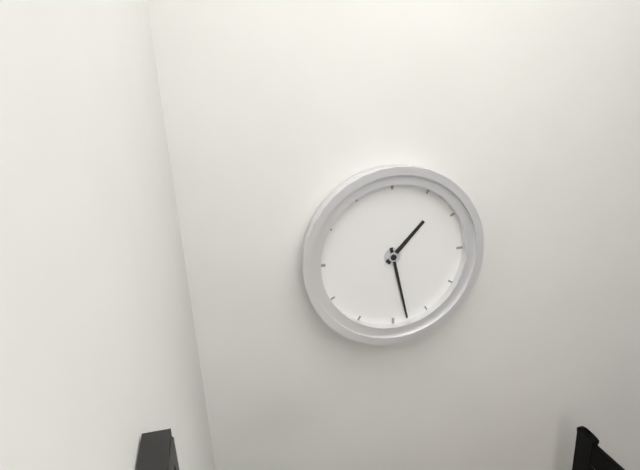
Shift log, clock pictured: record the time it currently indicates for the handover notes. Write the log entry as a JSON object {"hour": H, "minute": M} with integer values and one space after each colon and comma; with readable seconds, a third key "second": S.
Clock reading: {"hour": 1, "minute": 28}
